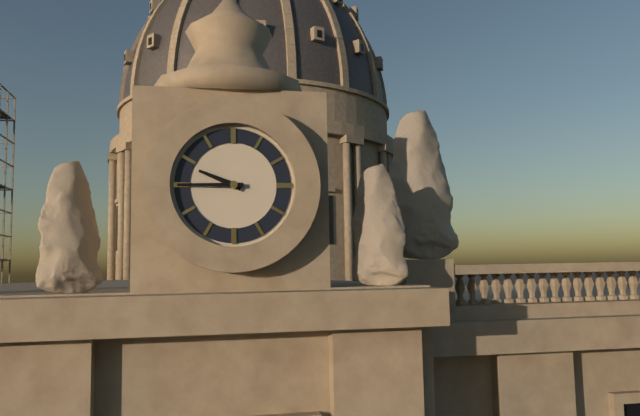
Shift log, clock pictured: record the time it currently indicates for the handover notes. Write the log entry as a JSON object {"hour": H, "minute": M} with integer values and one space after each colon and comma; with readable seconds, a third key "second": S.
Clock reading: {"hour": 9, "minute": 45}
